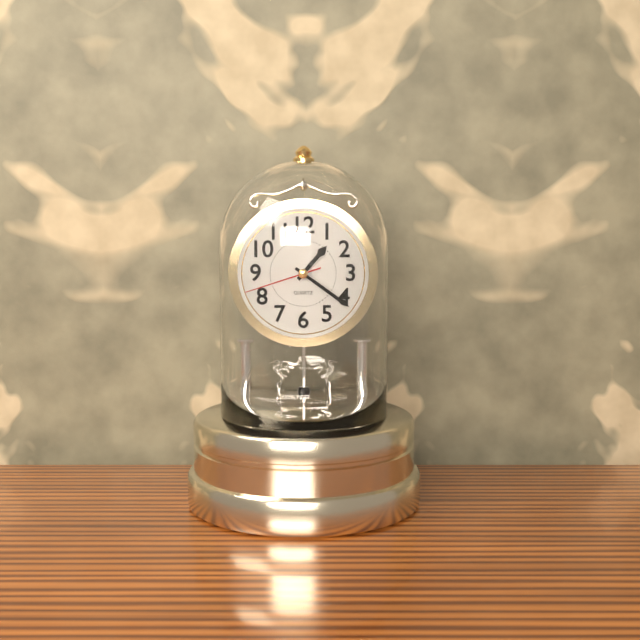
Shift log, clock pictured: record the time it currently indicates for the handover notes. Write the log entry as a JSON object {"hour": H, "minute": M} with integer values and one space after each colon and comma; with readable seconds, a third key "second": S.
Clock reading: {"hour": 1, "minute": 21, "second": 42}
